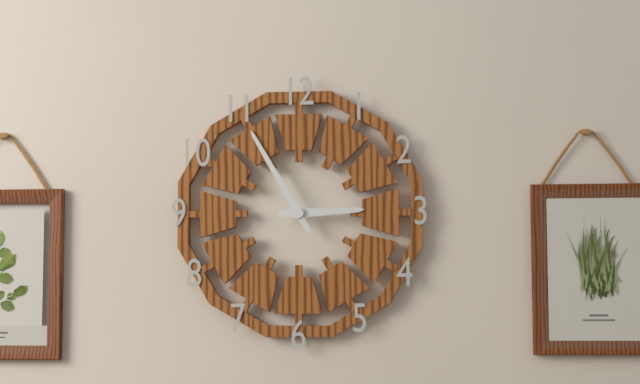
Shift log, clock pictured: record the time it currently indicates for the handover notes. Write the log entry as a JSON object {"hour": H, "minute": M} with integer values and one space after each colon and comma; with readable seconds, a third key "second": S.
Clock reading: {"hour": 2, "minute": 55}
